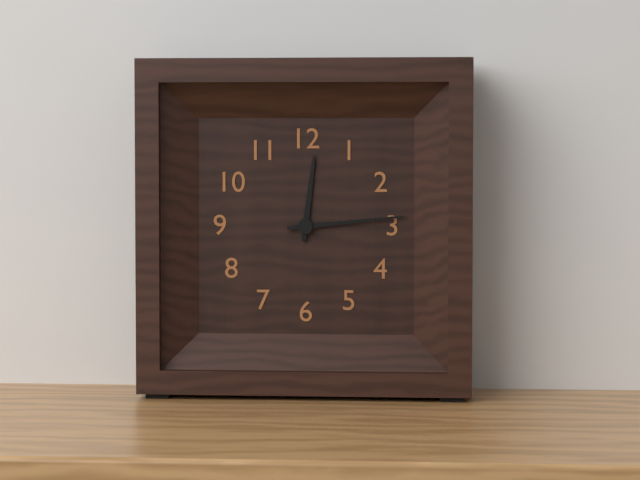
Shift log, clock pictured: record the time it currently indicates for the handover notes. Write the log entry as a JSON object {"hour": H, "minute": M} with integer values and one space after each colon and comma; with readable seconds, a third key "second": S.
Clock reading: {"hour": 12, "minute": 14}
